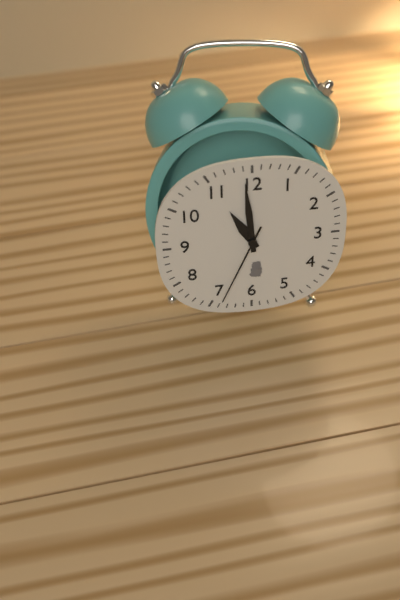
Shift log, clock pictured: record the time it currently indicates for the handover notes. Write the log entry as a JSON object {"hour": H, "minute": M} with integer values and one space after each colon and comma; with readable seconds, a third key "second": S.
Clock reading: {"hour": 10, "minute": 59, "second": 34}
